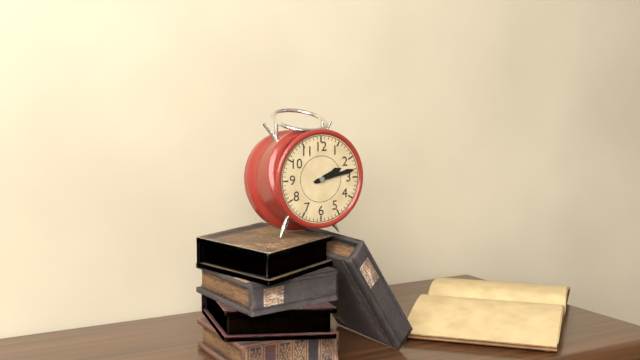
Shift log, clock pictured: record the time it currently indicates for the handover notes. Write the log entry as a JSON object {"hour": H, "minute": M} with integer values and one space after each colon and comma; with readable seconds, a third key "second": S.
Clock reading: {"hour": 2, "minute": 13}
